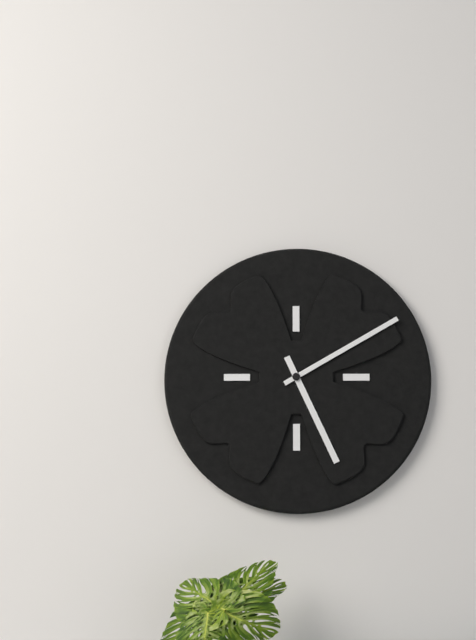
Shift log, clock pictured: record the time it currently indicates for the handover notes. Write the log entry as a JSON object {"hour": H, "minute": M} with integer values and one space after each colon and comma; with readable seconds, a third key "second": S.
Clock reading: {"hour": 5, "minute": 10}
